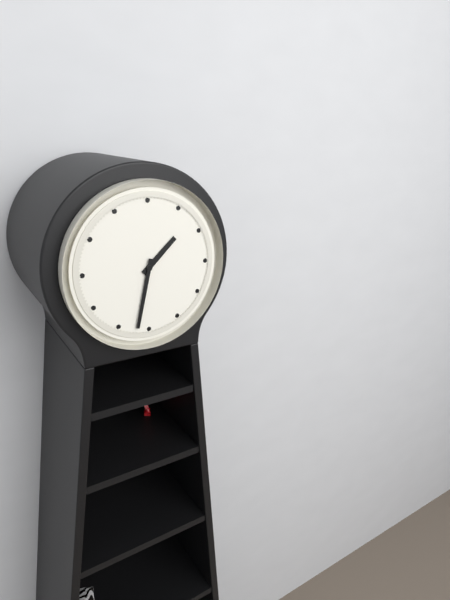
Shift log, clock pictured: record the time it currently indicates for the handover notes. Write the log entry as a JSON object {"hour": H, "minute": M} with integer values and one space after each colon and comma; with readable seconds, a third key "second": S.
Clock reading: {"hour": 1, "minute": 32}
